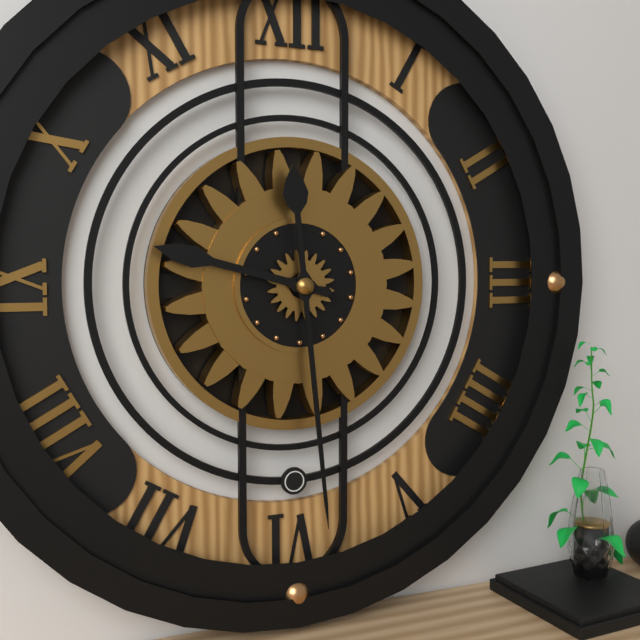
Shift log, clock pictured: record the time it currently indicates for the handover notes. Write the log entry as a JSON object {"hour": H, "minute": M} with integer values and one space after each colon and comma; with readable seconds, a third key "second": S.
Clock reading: {"hour": 9, "minute": 29}
